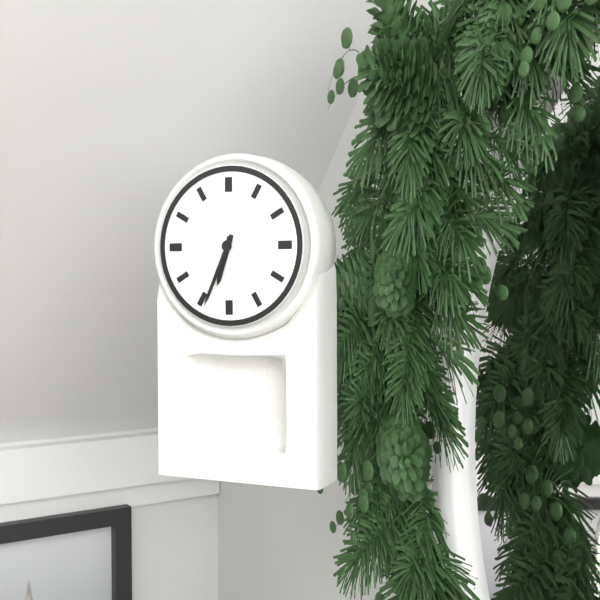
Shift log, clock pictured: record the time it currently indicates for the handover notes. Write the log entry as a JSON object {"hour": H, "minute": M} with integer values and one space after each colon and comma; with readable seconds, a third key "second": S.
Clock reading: {"hour": 6, "minute": 34}
